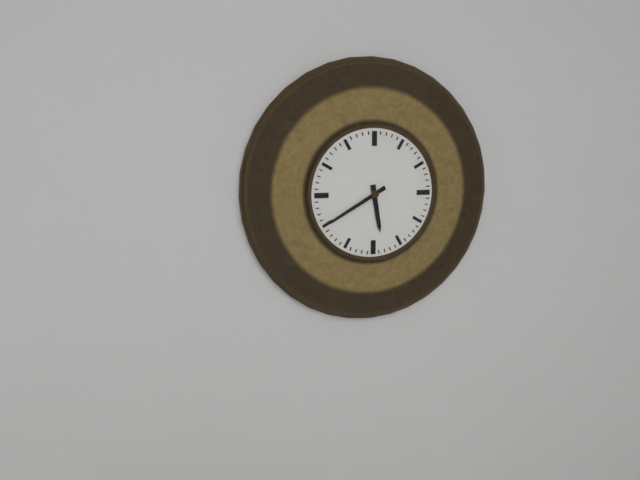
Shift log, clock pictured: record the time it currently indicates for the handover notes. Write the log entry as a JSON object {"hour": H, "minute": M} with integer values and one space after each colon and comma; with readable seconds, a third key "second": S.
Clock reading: {"hour": 5, "minute": 40}
